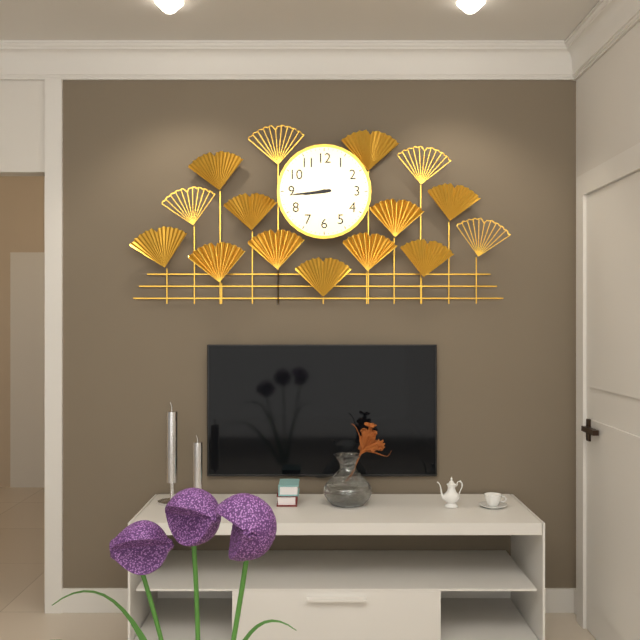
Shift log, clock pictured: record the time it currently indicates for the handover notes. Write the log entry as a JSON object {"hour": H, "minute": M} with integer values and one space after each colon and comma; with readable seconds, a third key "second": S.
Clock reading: {"hour": 8, "minute": 44}
